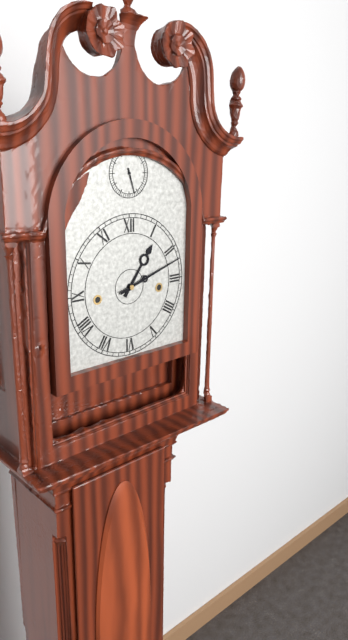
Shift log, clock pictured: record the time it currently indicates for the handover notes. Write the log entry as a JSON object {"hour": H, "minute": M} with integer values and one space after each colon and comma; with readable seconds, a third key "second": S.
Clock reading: {"hour": 1, "minute": 12}
